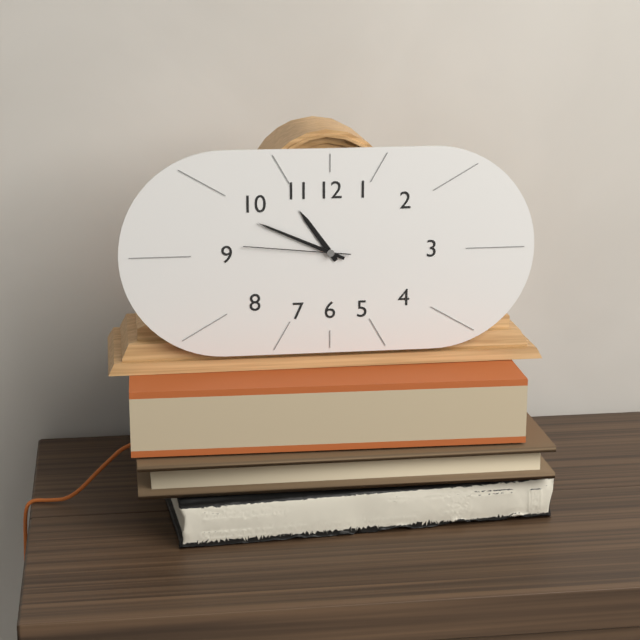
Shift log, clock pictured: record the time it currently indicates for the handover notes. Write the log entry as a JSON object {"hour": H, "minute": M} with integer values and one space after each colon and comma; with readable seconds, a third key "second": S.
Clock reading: {"hour": 10, "minute": 49, "second": 46}
